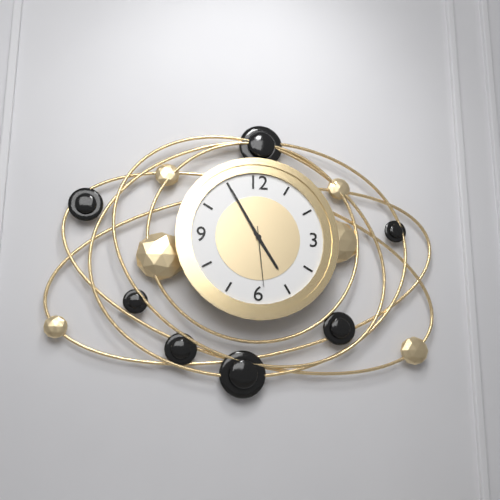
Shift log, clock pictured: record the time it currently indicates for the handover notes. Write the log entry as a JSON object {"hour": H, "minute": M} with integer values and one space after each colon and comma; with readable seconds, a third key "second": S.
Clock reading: {"hour": 4, "minute": 55, "second": 29}
